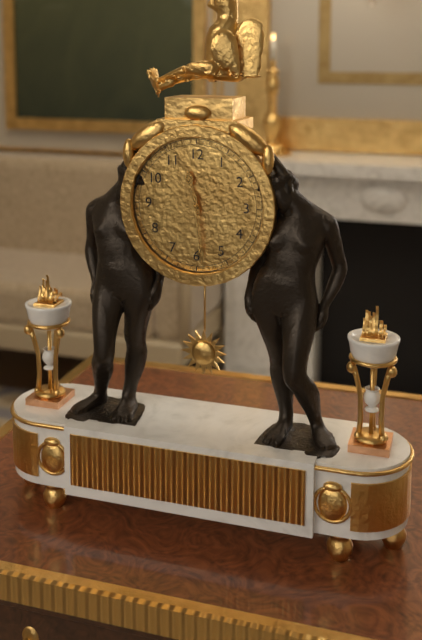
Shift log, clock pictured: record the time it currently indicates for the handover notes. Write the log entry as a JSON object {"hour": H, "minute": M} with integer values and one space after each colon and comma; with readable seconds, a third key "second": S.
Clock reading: {"hour": 11, "minute": 29}
